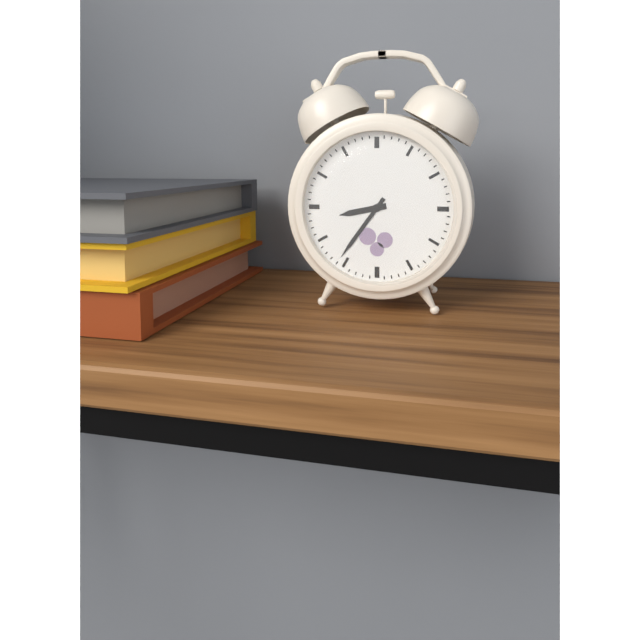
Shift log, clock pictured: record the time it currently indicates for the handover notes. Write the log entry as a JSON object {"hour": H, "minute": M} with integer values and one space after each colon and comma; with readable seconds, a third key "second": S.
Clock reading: {"hour": 8, "minute": 36}
